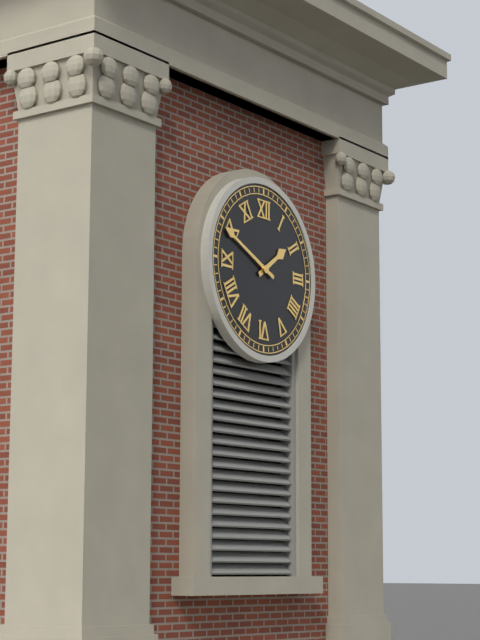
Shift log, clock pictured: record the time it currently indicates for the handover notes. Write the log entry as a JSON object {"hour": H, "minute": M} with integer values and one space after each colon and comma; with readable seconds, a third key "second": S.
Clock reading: {"hour": 1, "minute": 49}
